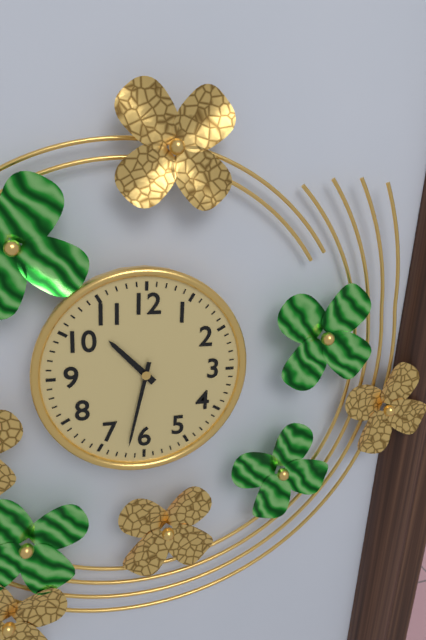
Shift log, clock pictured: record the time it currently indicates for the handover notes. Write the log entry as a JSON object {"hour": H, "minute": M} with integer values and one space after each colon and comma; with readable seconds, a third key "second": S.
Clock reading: {"hour": 10, "minute": 32}
